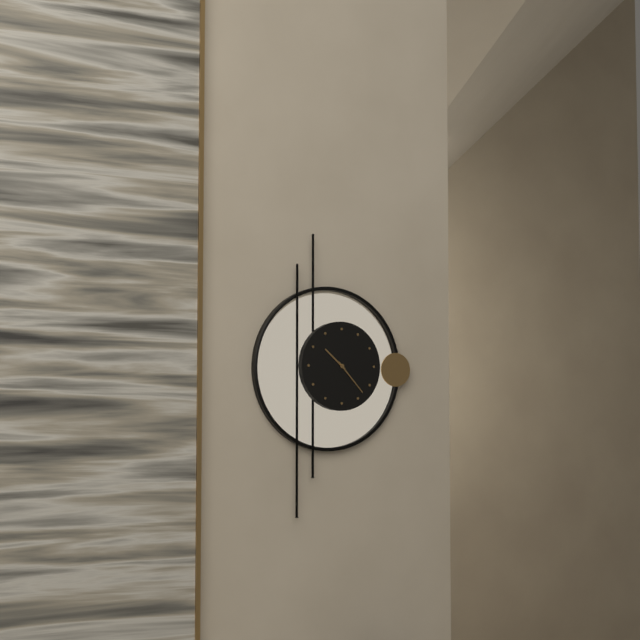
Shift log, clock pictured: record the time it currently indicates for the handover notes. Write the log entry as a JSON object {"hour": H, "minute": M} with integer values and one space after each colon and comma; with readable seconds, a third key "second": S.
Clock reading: {"hour": 10, "minute": 23}
